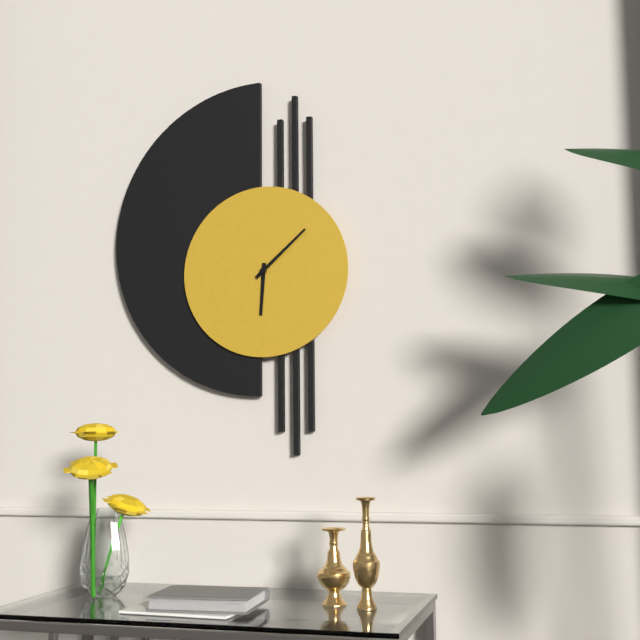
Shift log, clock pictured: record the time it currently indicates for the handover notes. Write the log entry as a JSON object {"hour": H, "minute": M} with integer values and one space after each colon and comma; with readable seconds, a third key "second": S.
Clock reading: {"hour": 6, "minute": 8}
